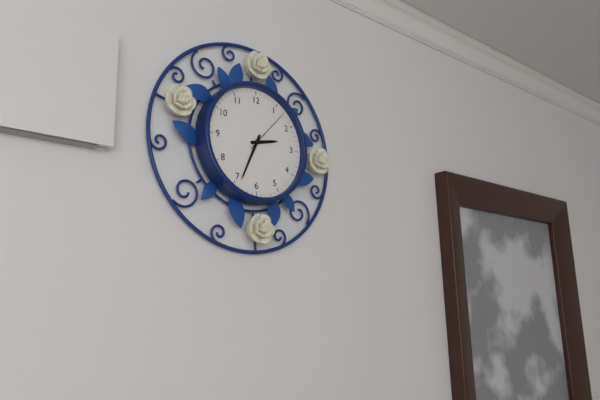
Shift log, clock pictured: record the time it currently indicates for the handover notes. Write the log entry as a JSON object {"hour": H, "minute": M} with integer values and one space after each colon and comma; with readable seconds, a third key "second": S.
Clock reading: {"hour": 2, "minute": 34}
